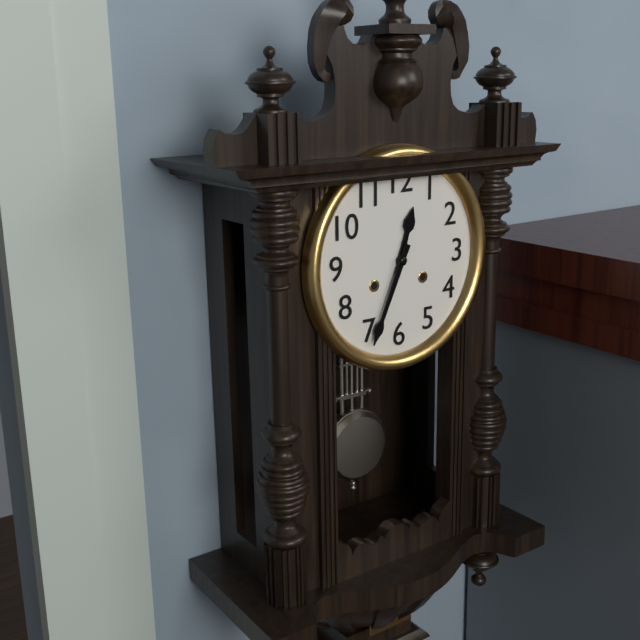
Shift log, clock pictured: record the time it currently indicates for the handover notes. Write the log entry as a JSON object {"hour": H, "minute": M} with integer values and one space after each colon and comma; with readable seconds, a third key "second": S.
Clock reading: {"hour": 12, "minute": 34}
